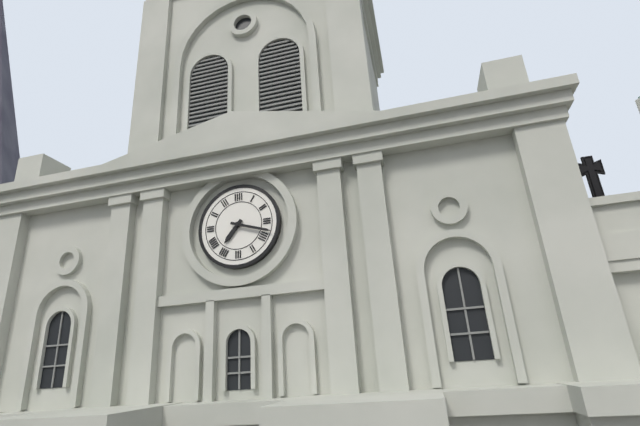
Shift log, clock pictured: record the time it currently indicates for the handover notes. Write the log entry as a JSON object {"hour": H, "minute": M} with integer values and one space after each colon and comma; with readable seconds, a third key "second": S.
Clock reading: {"hour": 7, "minute": 18}
